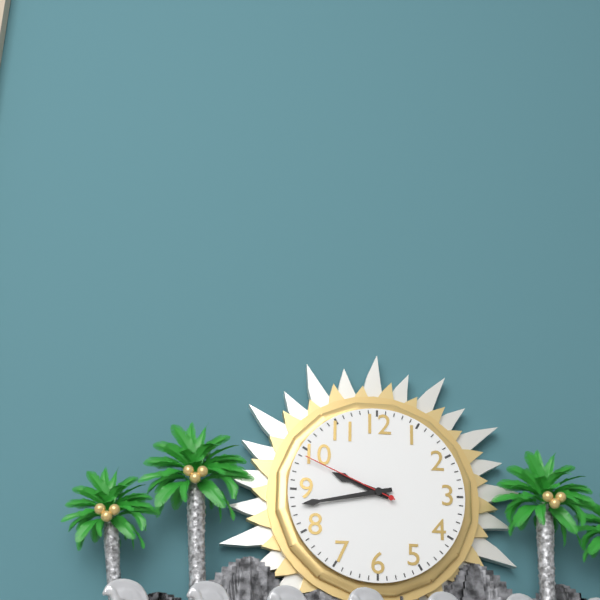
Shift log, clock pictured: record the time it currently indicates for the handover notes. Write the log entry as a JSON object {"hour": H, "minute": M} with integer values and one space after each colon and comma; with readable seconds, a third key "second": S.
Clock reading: {"hour": 9, "minute": 43, "second": 49}
